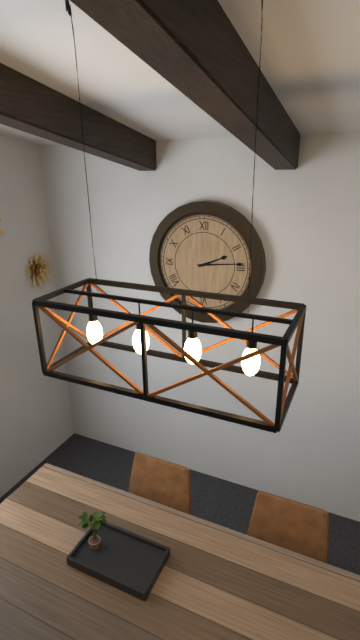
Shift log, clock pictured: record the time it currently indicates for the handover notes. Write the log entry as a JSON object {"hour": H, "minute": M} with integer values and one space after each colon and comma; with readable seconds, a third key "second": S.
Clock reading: {"hour": 2, "minute": 14}
